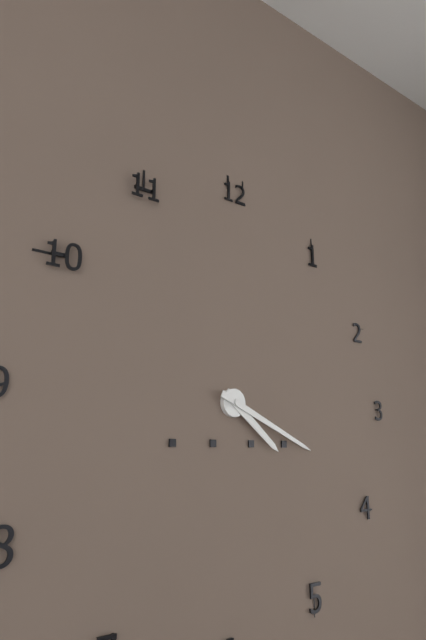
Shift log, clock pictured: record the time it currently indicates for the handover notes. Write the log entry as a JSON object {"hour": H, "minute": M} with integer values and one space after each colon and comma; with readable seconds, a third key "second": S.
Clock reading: {"hour": 4, "minute": 19}
